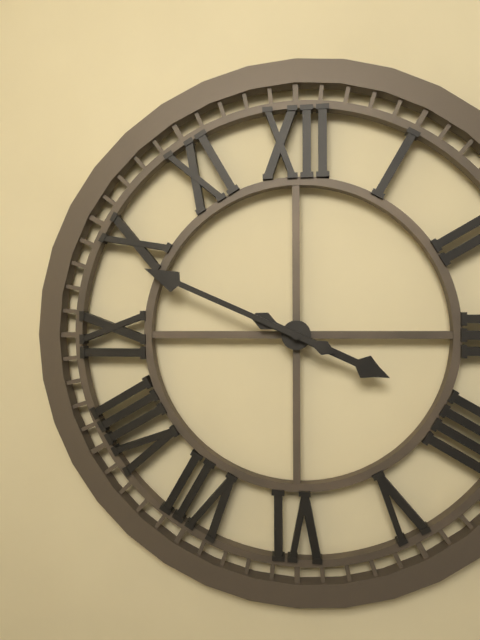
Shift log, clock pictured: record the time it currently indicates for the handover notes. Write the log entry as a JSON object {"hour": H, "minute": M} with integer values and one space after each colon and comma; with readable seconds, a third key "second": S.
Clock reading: {"hour": 3, "minute": 49}
